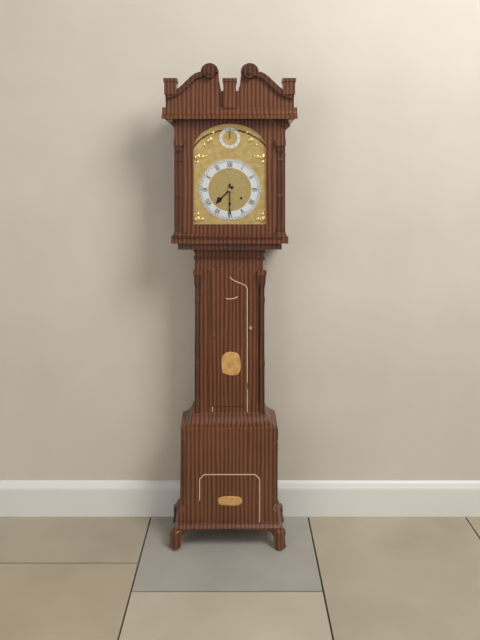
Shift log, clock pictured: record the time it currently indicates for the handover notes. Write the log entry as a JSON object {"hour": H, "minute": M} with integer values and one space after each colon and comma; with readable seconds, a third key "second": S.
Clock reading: {"hour": 7, "minute": 30}
